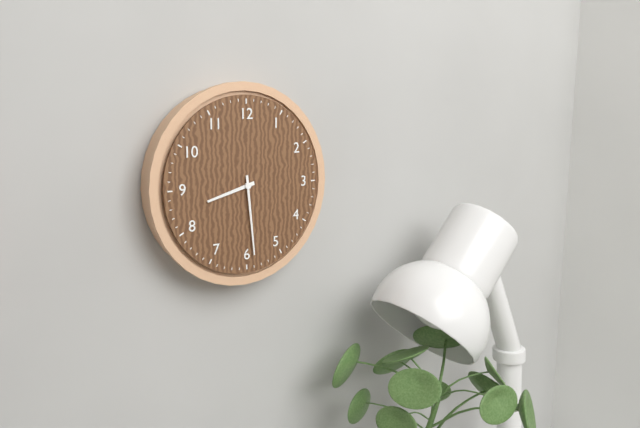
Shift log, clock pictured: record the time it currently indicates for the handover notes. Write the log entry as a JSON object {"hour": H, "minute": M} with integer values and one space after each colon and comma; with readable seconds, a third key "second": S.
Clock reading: {"hour": 8, "minute": 29}
